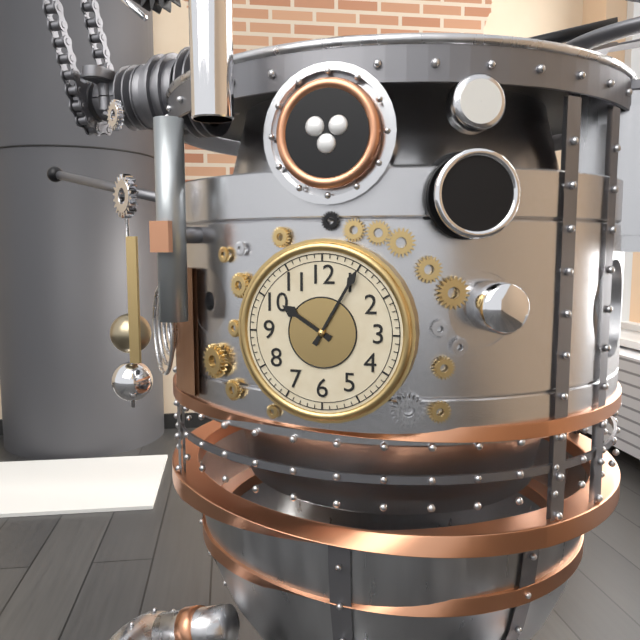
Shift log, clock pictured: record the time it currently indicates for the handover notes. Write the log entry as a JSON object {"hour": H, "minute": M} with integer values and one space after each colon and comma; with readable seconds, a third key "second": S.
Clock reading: {"hour": 10, "minute": 5}
